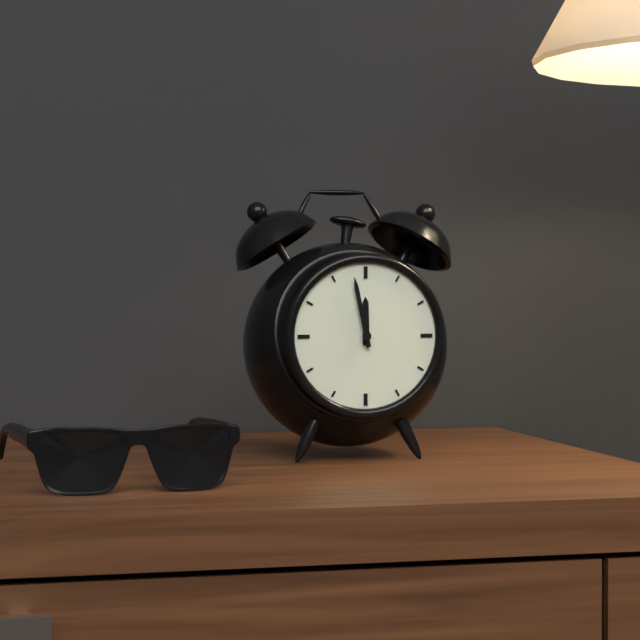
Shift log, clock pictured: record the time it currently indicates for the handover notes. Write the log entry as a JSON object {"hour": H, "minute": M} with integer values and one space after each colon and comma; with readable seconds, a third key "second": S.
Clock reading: {"hour": 11, "minute": 58}
